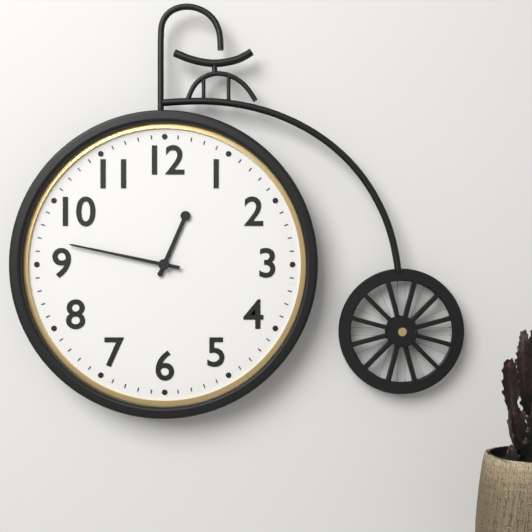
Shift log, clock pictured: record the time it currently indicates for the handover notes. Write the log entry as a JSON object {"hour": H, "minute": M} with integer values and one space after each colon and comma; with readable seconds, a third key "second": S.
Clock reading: {"hour": 12, "minute": 47}
